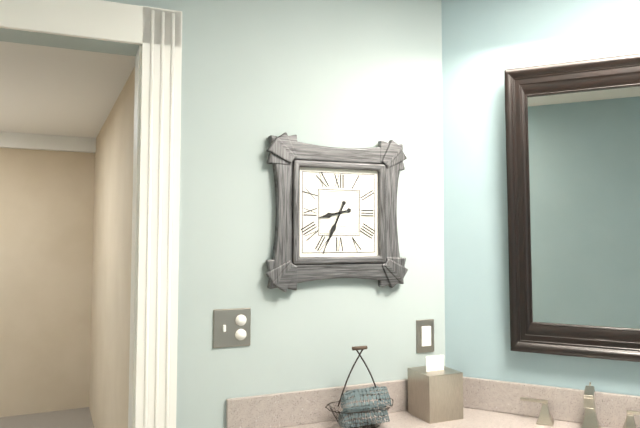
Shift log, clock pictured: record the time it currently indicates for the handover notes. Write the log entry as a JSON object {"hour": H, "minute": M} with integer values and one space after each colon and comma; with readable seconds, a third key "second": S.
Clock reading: {"hour": 8, "minute": 34}
